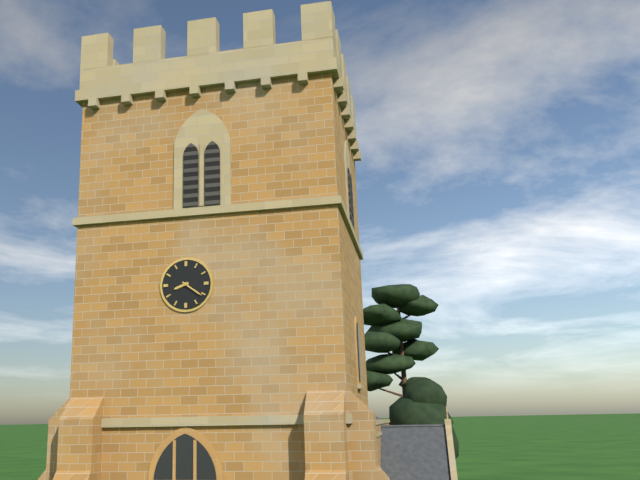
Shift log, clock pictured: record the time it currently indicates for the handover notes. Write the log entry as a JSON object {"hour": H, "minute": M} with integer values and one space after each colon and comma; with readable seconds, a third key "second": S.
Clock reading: {"hour": 8, "minute": 21}
